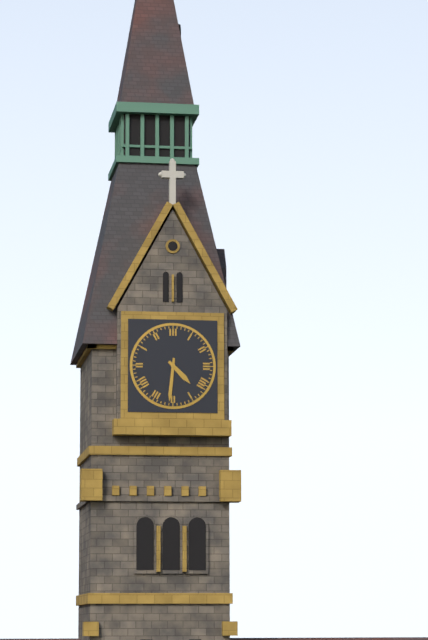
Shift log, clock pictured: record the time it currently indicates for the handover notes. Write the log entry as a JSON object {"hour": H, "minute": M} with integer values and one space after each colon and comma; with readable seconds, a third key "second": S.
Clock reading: {"hour": 4, "minute": 31}
